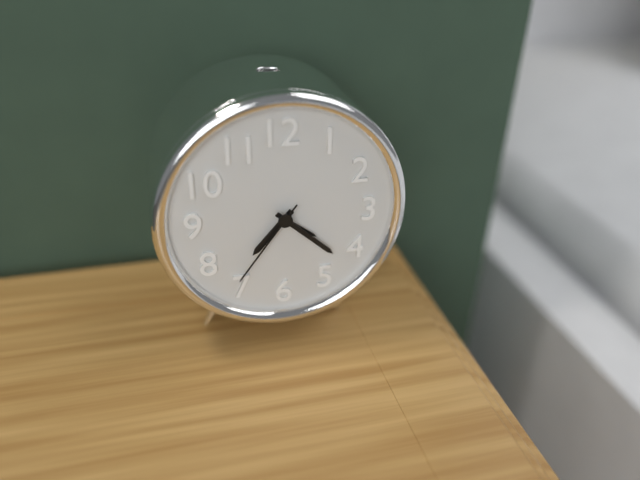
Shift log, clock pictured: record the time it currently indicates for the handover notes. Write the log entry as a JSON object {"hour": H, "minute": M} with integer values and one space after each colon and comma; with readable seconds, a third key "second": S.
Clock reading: {"hour": 7, "minute": 22, "second": 36}
